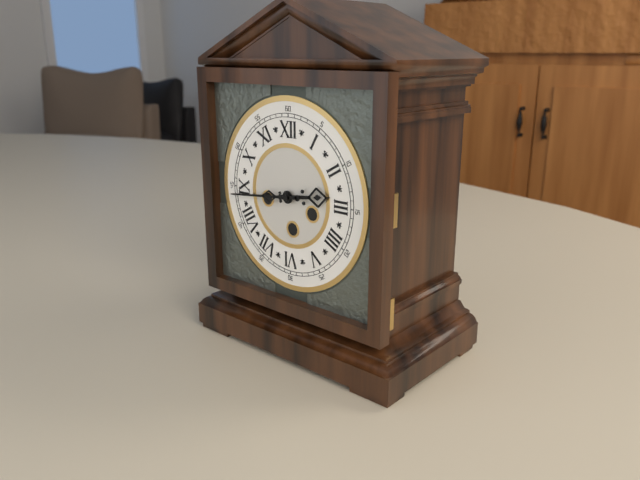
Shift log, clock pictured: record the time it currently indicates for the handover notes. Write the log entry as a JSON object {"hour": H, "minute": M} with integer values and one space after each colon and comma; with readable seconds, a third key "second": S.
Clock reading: {"hour": 2, "minute": 44}
